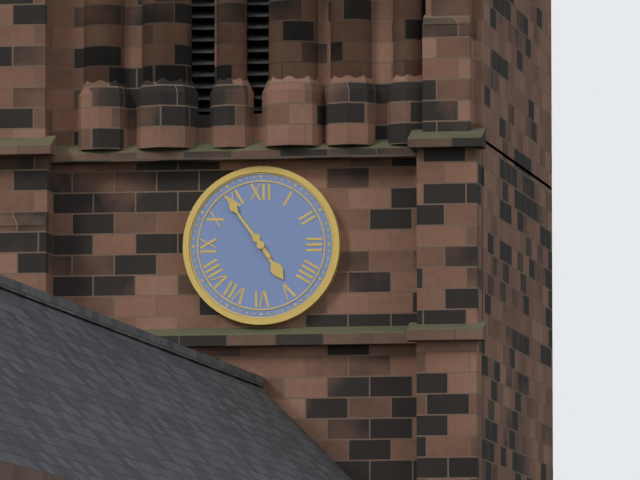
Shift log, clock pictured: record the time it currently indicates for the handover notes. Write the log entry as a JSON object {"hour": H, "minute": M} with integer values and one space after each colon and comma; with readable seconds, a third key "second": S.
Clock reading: {"hour": 4, "minute": 54}
